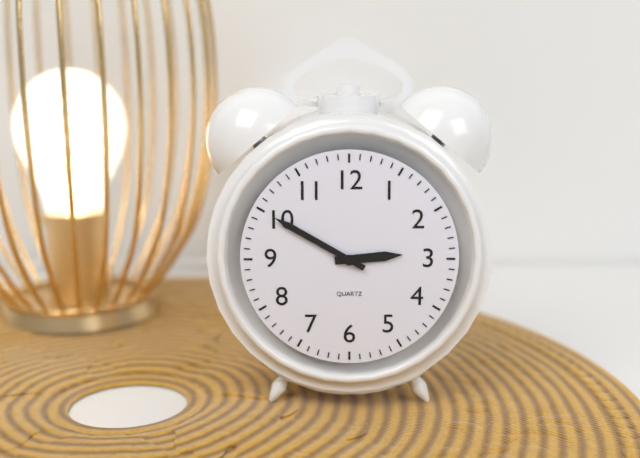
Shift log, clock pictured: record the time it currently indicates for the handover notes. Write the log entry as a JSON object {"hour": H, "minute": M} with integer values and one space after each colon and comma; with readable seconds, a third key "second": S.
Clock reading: {"hour": 2, "minute": 50}
